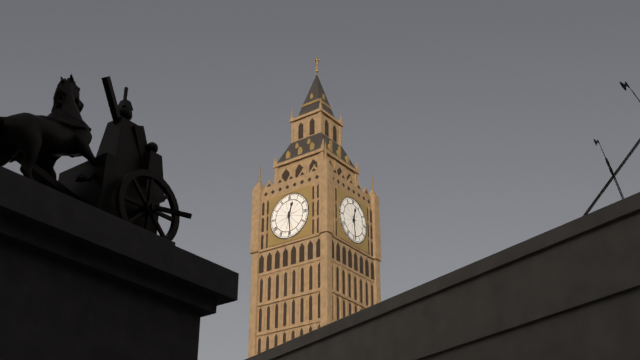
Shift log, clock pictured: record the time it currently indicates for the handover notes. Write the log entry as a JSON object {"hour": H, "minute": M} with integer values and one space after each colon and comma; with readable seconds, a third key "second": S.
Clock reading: {"hour": 12, "minute": 29}
